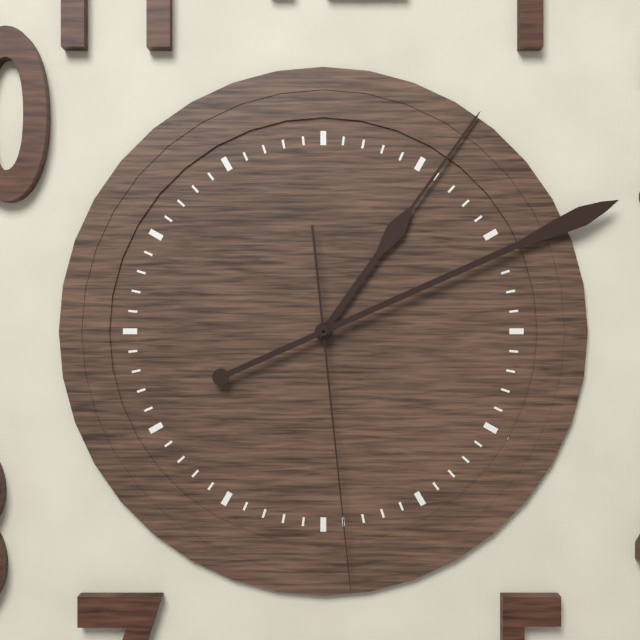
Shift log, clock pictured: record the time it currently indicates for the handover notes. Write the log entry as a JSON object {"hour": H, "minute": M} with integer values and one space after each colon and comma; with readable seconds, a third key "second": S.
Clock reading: {"hour": 1, "minute": 11, "second": 29}
